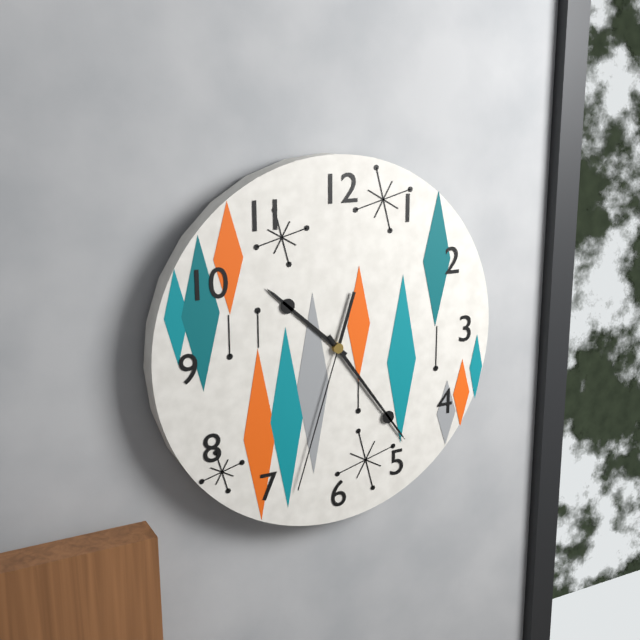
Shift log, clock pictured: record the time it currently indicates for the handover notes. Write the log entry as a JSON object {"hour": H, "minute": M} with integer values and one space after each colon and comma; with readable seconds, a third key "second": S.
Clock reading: {"hour": 10, "minute": 24, "second": 33}
